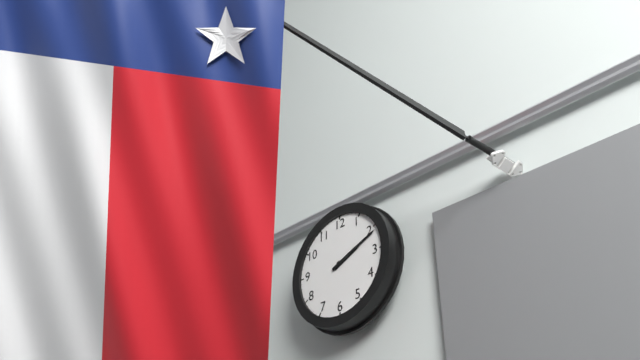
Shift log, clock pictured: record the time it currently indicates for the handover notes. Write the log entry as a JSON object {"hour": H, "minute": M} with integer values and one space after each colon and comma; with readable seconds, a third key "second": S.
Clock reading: {"hour": 2, "minute": 11}
